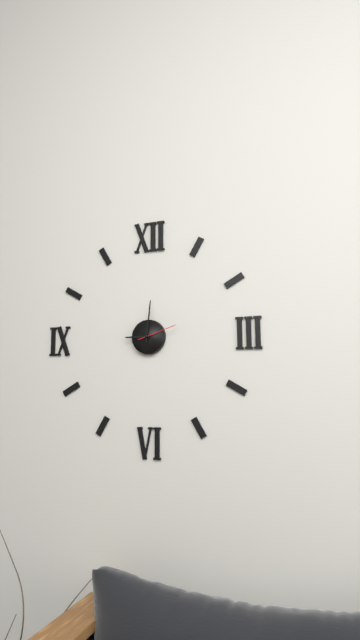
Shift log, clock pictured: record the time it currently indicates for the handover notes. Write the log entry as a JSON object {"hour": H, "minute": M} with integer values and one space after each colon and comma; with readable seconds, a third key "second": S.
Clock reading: {"hour": 9, "minute": 1}
